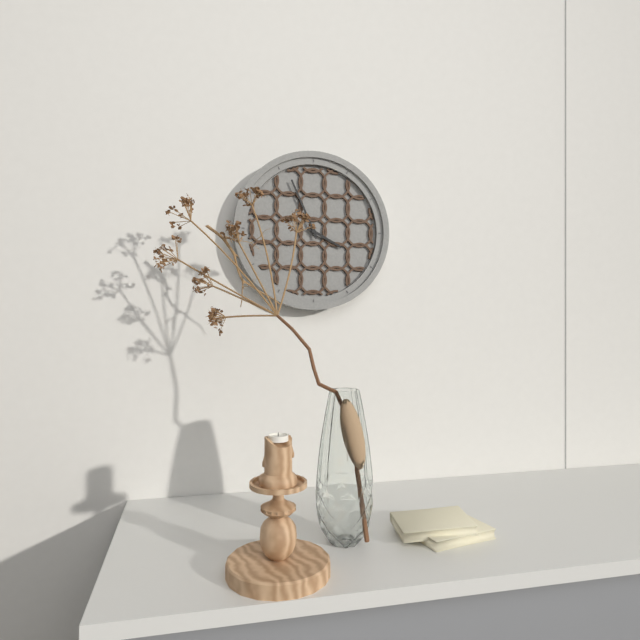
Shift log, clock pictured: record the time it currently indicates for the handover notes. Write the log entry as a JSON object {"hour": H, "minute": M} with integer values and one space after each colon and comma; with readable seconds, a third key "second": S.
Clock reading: {"hour": 3, "minute": 56}
